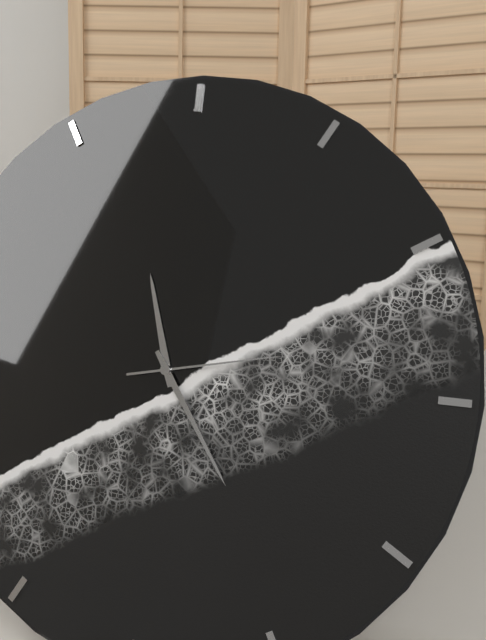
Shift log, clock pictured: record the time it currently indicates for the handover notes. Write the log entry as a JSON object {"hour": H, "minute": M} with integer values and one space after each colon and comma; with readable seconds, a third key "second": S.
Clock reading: {"hour": 11, "minute": 24, "second": 13}
